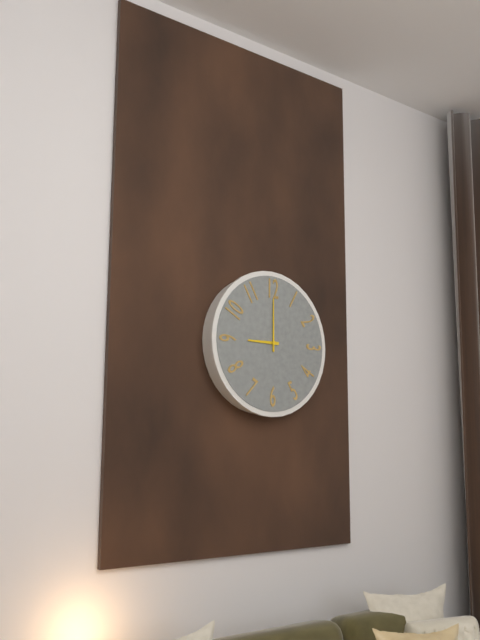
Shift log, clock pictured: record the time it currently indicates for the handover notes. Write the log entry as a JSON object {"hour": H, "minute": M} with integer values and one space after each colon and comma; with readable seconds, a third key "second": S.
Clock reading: {"hour": 9, "minute": 0}
